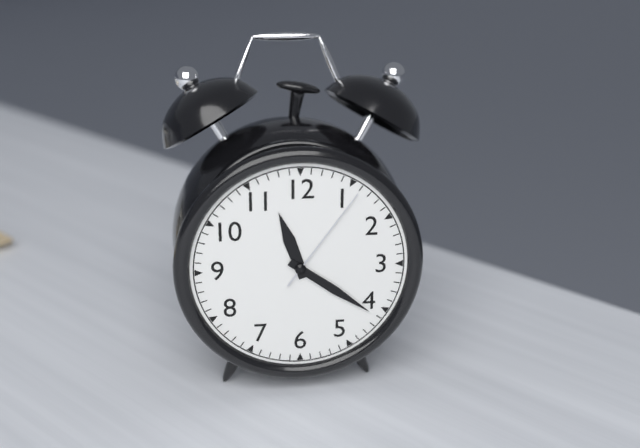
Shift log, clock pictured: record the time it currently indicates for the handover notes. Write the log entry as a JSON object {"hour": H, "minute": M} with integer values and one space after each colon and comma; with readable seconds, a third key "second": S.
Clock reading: {"hour": 11, "minute": 21, "second": 6}
